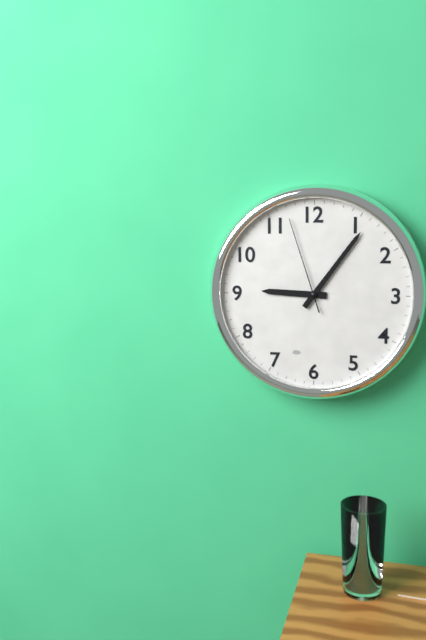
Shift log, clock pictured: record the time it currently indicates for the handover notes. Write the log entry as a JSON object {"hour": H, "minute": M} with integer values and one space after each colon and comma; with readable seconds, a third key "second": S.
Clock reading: {"hour": 9, "minute": 6, "second": 57}
